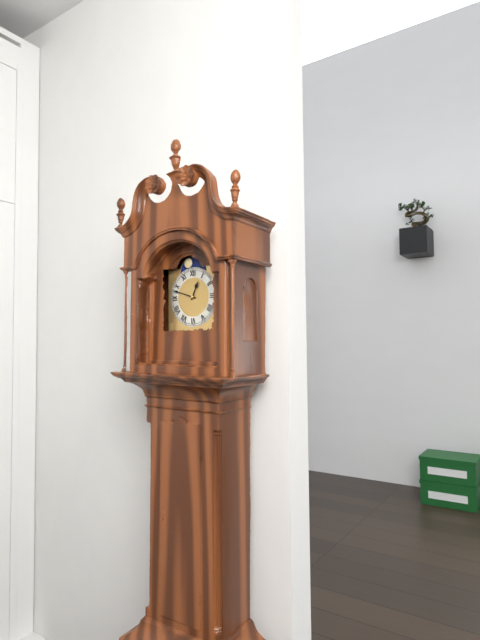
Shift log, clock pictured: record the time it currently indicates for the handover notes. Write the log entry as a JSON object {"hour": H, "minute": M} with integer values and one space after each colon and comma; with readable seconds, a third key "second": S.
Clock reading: {"hour": 12, "minute": 48}
